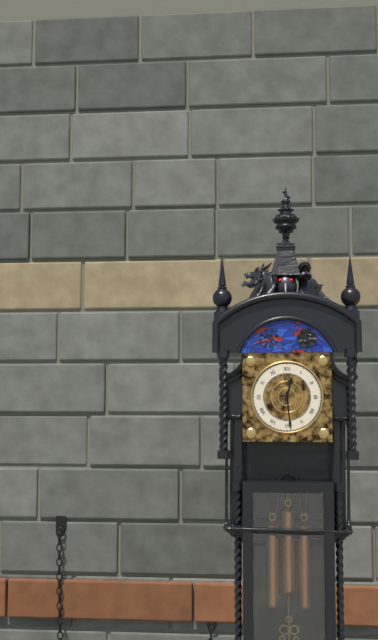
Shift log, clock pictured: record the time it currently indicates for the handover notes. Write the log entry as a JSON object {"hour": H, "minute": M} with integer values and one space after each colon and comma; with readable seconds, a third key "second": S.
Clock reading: {"hour": 12, "minute": 29}
